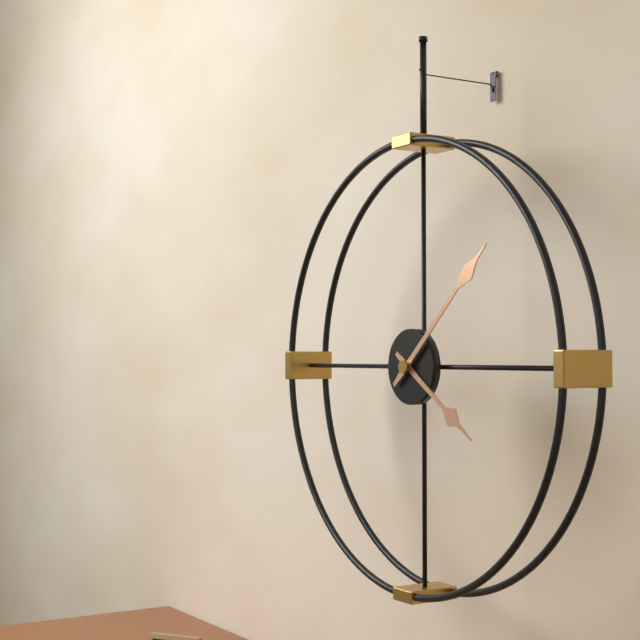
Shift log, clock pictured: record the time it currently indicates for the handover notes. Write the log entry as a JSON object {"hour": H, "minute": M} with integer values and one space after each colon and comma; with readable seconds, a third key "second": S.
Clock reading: {"hour": 4, "minute": 8}
